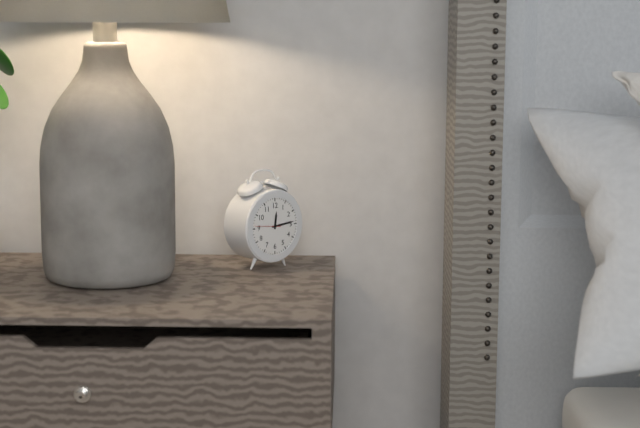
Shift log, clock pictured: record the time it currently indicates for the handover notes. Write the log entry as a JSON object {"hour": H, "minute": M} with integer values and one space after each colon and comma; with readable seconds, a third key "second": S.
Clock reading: {"hour": 12, "minute": 14}
